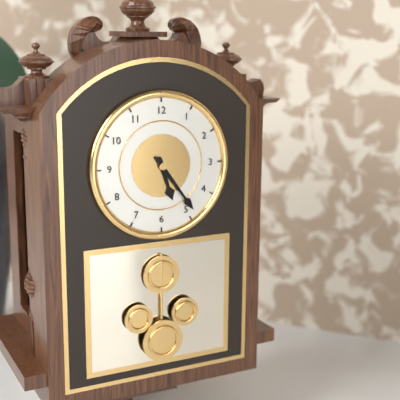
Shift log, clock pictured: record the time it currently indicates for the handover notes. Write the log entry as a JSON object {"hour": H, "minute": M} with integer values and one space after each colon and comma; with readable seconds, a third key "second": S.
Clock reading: {"hour": 5, "minute": 24}
